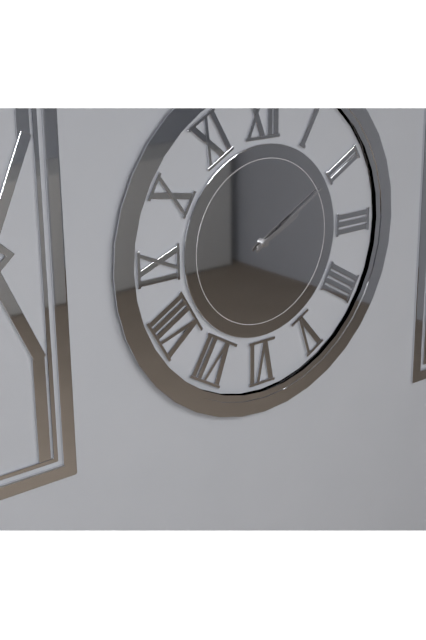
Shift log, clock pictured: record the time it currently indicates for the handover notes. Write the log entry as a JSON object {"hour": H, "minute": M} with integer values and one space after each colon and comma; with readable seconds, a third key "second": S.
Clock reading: {"hour": 2, "minute": 10}
